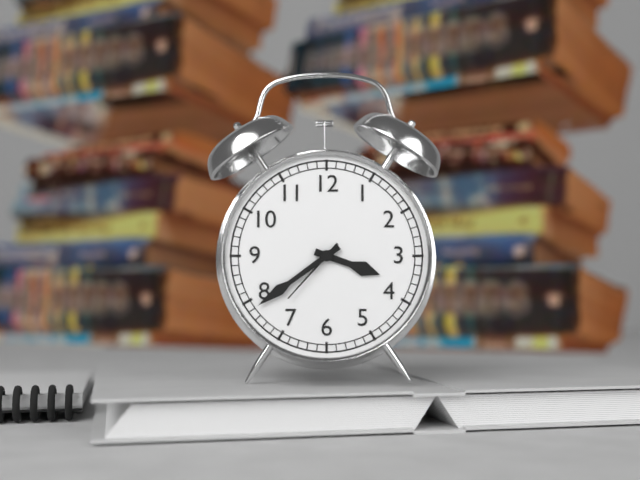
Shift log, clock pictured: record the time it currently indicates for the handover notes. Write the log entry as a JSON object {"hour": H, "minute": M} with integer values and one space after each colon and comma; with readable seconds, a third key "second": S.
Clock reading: {"hour": 3, "minute": 39, "second": 37}
